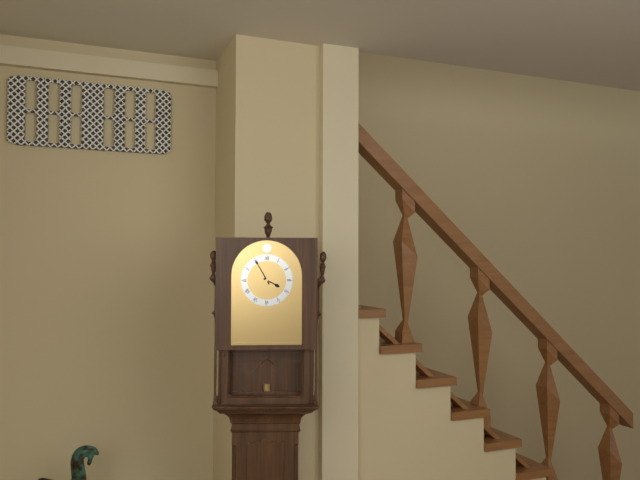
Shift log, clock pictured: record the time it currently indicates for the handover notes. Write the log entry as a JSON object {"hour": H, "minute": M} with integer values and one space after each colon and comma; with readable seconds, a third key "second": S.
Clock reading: {"hour": 3, "minute": 55}
